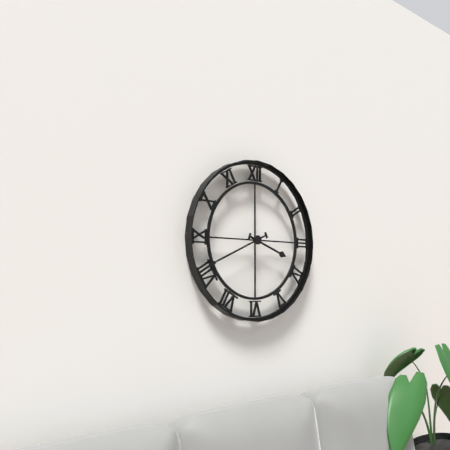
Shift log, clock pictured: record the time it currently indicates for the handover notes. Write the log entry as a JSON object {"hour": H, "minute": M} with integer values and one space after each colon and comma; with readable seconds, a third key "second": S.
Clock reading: {"hour": 3, "minute": 41}
